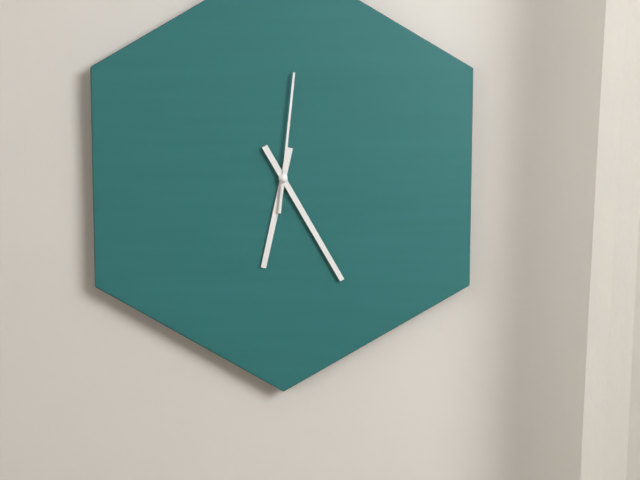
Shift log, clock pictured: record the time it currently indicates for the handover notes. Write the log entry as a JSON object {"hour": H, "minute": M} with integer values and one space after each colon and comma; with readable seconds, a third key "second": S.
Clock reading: {"hour": 6, "minute": 25, "second": 1}
